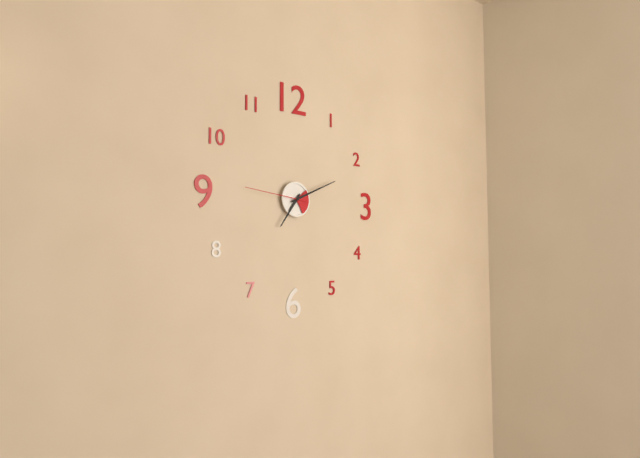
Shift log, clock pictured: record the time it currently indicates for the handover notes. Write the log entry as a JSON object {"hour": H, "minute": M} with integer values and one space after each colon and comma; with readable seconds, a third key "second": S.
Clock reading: {"hour": 7, "minute": 11, "second": 46}
